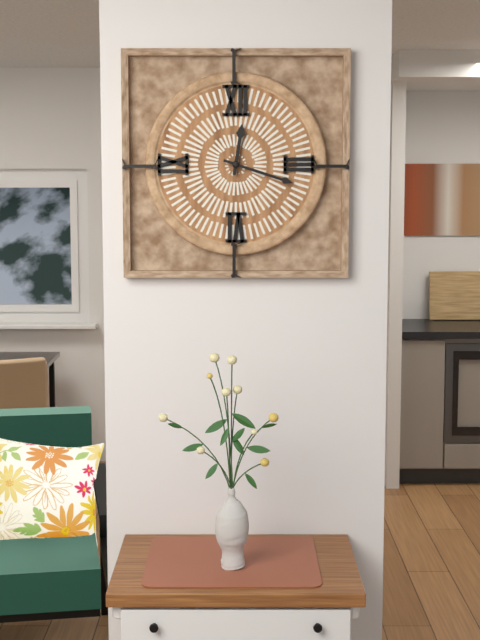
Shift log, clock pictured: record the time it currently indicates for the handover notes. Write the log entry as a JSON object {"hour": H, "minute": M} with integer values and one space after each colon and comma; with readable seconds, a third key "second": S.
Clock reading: {"hour": 12, "minute": 18}
